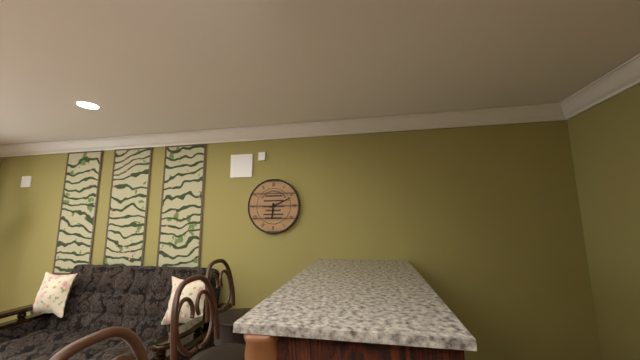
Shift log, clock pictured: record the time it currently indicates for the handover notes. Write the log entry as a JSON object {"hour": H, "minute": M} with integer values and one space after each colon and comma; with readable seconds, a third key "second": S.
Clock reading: {"hour": 6, "minute": 11}
